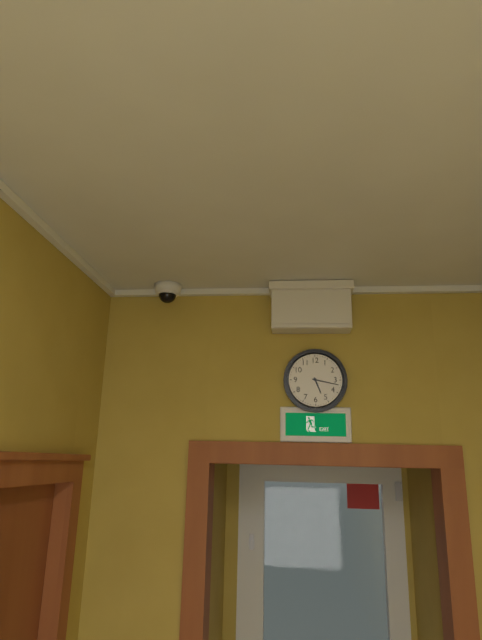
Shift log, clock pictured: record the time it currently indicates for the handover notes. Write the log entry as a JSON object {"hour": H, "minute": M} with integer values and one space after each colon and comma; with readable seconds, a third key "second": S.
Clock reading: {"hour": 5, "minute": 17}
